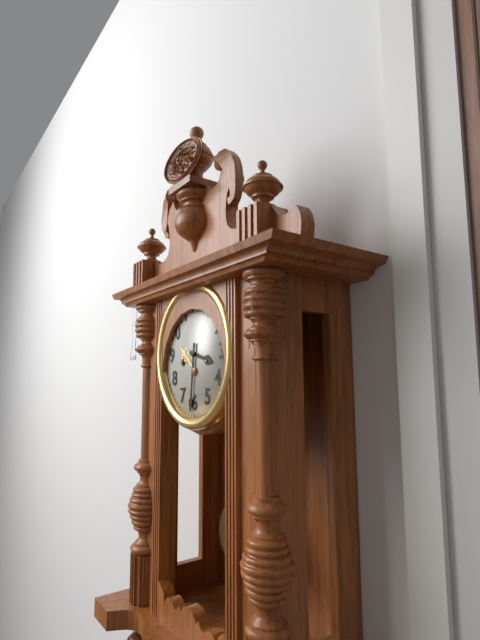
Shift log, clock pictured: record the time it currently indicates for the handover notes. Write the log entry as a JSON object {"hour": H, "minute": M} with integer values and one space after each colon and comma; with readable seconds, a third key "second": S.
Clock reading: {"hour": 3, "minute": 31}
